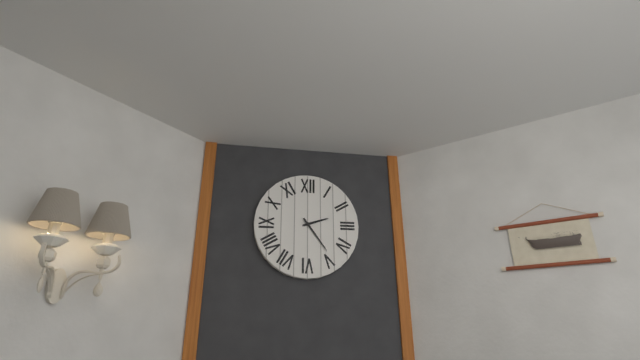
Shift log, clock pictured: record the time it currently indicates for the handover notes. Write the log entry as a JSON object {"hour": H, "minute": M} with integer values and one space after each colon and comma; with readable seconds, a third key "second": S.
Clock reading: {"hour": 2, "minute": 24}
